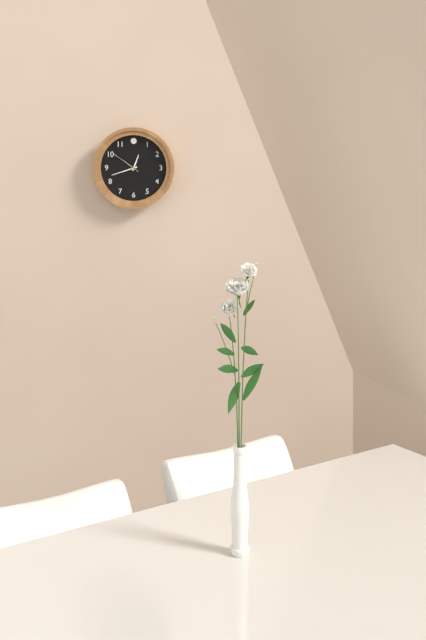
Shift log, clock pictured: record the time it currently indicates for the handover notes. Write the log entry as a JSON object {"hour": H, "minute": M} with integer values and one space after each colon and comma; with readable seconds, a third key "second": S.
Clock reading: {"hour": 12, "minute": 42}
